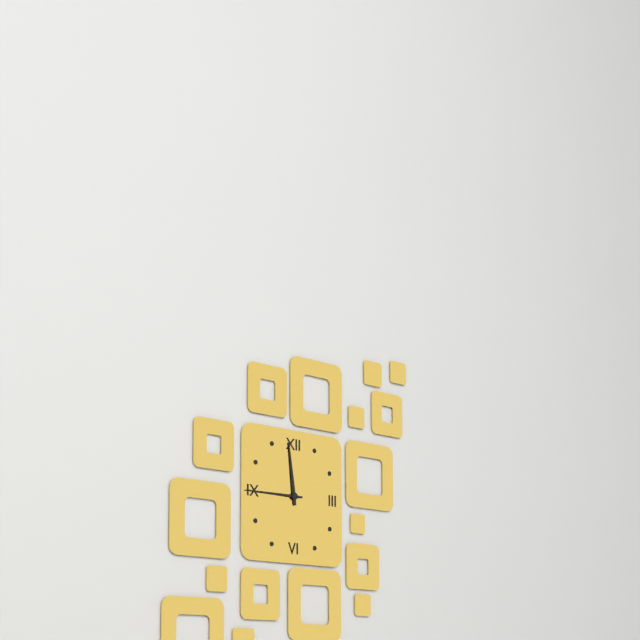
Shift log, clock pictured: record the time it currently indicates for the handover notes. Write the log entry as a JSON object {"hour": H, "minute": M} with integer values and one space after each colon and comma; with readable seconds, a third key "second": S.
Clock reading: {"hour": 11, "minute": 45}
